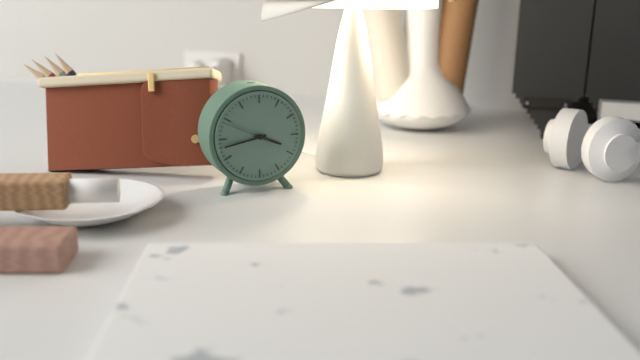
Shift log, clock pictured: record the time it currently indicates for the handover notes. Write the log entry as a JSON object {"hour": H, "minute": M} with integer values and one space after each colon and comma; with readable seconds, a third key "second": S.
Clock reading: {"hour": 3, "minute": 43}
